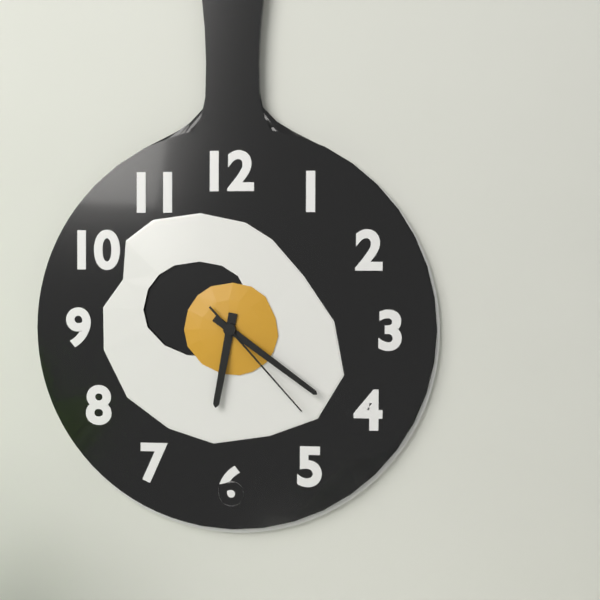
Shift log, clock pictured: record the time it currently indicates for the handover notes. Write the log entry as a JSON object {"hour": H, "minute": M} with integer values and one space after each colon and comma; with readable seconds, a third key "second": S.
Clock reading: {"hour": 6, "minute": 21, "second": 23}
